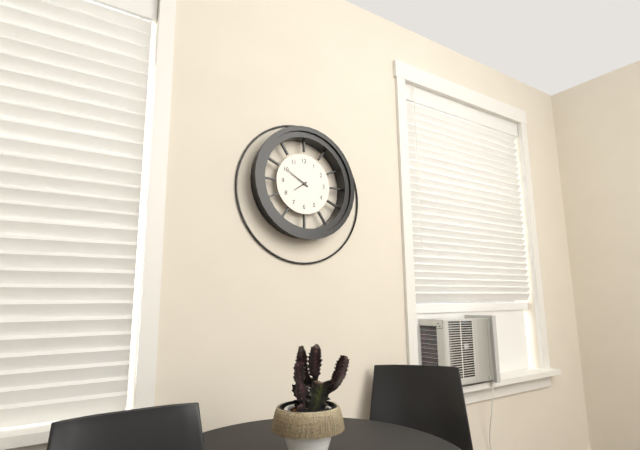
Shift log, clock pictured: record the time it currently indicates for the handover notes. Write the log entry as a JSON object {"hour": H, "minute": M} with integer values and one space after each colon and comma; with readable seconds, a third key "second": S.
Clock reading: {"hour": 7, "minute": 50}
